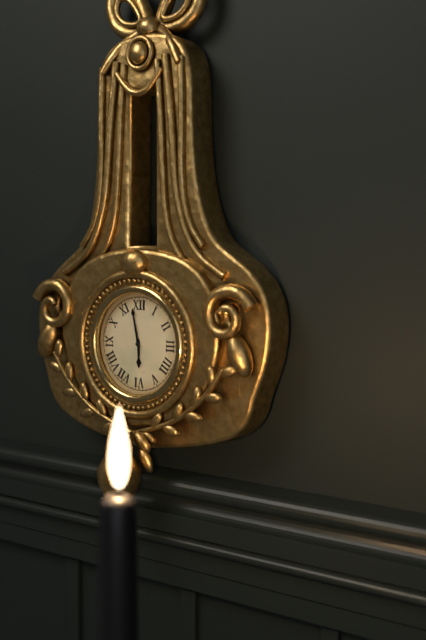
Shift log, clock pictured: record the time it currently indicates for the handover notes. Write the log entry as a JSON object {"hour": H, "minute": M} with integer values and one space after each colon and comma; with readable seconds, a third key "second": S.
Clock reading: {"hour": 5, "minute": 58}
